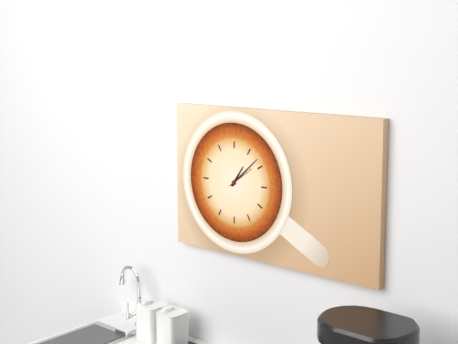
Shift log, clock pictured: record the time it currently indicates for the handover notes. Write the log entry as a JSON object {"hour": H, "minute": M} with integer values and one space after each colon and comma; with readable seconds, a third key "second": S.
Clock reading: {"hour": 1, "minute": 8}
